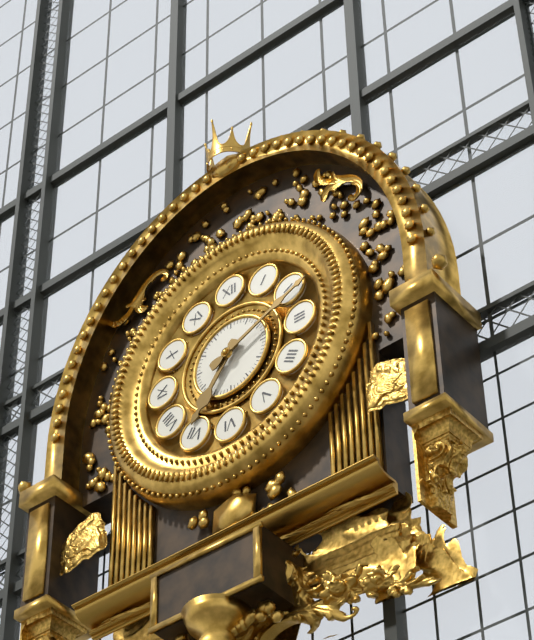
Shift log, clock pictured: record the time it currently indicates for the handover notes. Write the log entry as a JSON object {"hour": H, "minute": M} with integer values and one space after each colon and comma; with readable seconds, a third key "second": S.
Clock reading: {"hour": 7, "minute": 11}
